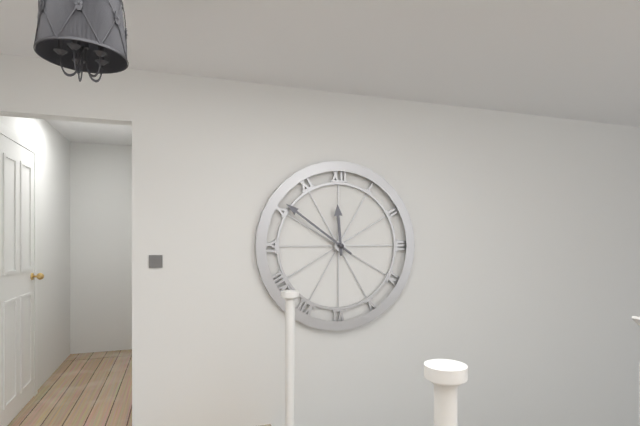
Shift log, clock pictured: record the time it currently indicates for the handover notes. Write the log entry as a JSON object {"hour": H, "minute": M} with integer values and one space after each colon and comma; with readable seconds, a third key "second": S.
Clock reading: {"hour": 11, "minute": 51}
